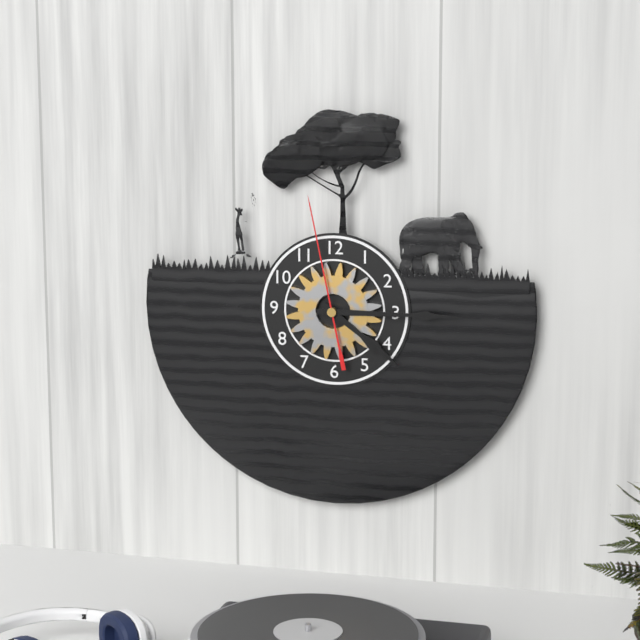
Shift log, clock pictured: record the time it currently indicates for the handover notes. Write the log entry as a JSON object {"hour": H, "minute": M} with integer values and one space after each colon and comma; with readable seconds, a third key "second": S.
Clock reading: {"hour": 4, "minute": 15, "second": 58}
